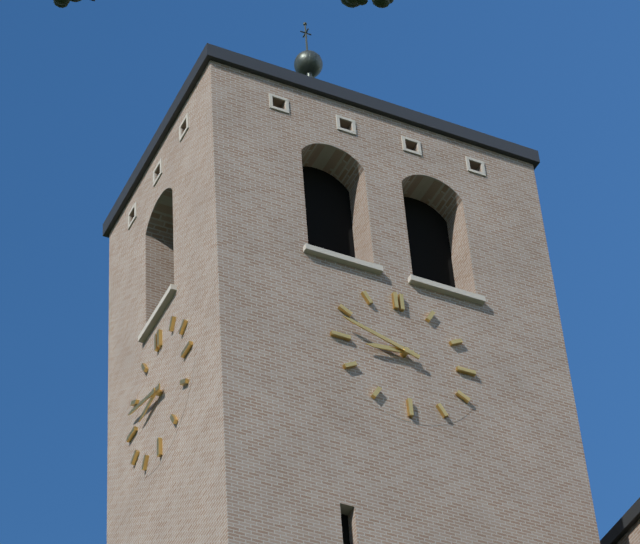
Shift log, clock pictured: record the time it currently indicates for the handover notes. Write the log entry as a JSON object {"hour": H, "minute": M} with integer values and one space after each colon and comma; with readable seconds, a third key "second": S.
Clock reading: {"hour": 8, "minute": 48}
